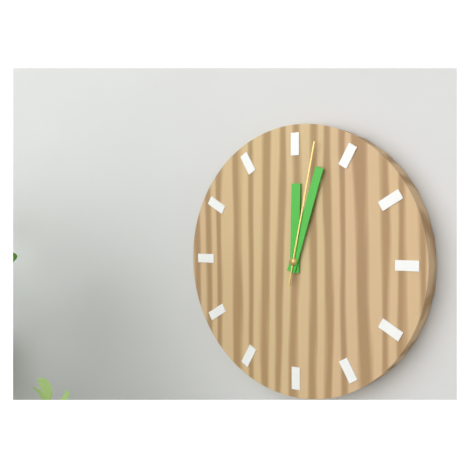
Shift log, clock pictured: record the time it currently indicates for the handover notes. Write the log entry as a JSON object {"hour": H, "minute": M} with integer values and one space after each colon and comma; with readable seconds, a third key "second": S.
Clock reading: {"hour": 12, "minute": 3, "second": 2}
